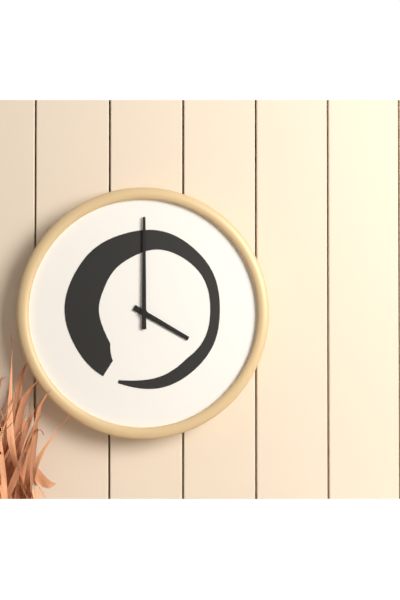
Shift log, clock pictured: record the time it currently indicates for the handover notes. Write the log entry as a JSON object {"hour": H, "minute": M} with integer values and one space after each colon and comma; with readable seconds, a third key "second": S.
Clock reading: {"hour": 4, "minute": 0}
